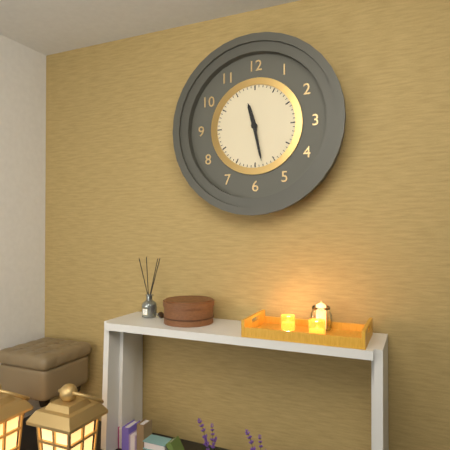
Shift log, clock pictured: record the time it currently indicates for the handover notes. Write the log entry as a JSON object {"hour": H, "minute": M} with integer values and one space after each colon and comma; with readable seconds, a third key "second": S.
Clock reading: {"hour": 11, "minute": 28}
